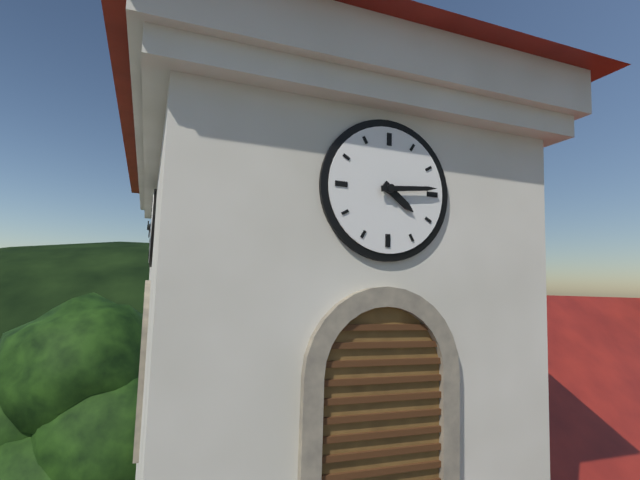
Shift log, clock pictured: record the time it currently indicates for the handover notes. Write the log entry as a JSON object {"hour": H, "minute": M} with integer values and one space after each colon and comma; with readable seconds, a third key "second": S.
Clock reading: {"hour": 4, "minute": 14}
